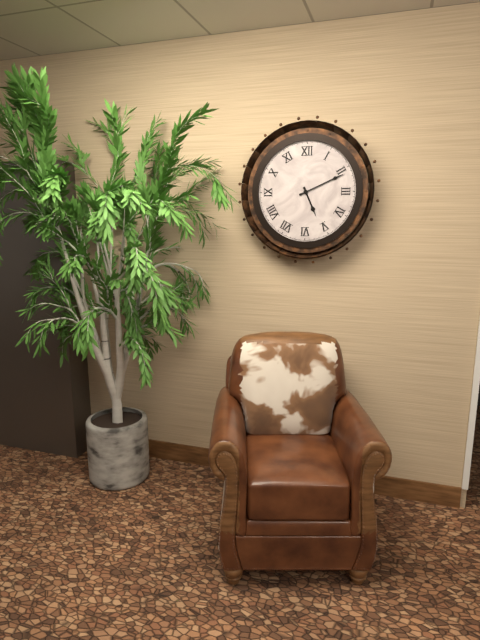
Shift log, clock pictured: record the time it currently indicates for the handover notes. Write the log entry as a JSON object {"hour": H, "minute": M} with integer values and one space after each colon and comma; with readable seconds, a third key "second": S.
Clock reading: {"hour": 5, "minute": 11}
